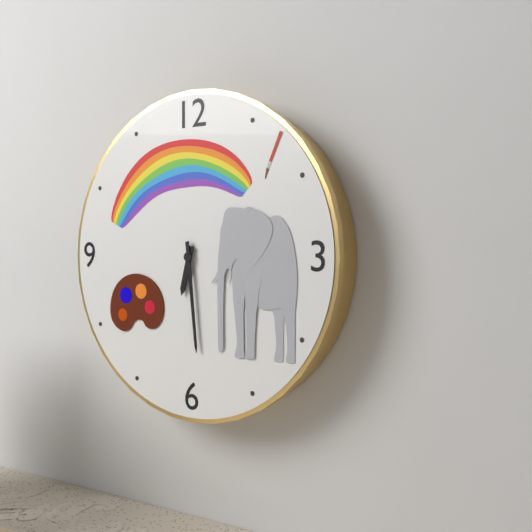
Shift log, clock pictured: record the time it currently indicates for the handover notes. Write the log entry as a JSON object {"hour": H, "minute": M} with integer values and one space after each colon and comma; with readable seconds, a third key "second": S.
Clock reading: {"hour": 6, "minute": 29}
